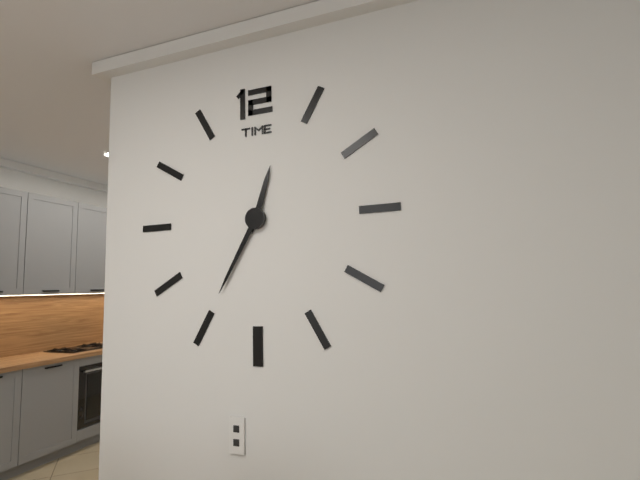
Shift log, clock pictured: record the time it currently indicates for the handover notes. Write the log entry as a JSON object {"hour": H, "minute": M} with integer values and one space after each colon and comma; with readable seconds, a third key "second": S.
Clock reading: {"hour": 12, "minute": 35}
